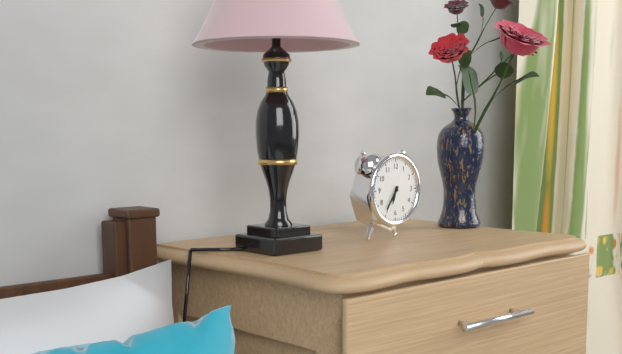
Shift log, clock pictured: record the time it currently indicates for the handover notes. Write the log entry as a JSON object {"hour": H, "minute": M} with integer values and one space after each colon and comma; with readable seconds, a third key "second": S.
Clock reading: {"hour": 6, "minute": 36}
